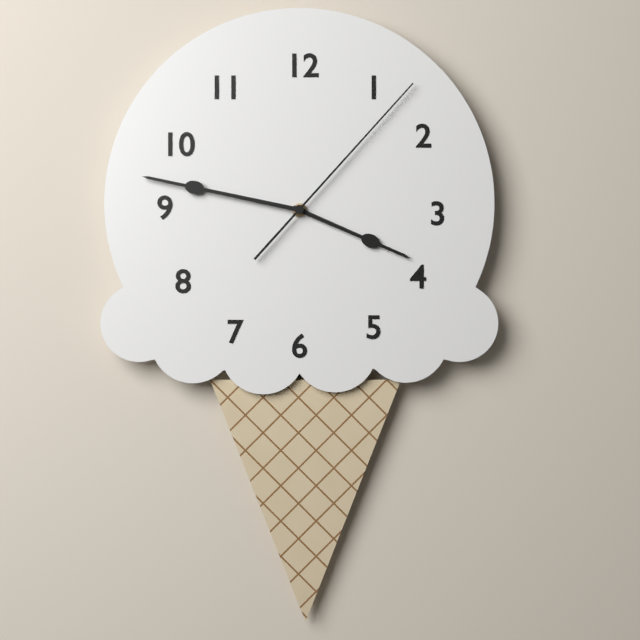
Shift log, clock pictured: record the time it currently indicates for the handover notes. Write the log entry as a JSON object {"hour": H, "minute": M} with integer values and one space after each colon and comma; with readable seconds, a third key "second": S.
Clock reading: {"hour": 3, "minute": 47, "second": 7}
